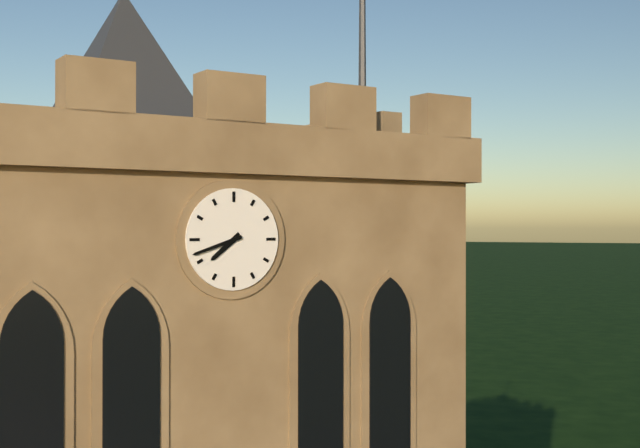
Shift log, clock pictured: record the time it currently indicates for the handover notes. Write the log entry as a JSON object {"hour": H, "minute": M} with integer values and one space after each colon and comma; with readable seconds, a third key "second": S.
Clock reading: {"hour": 7, "minute": 42}
